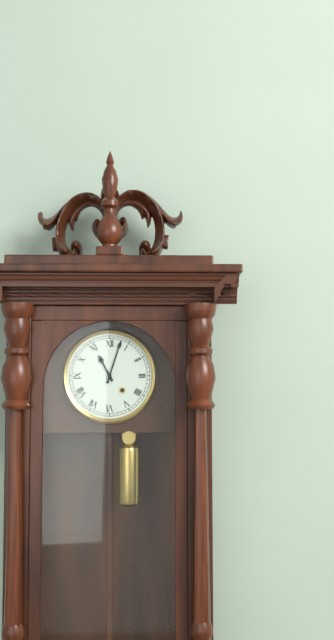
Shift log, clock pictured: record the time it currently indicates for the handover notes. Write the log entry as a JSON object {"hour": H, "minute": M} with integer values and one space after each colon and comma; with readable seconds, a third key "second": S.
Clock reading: {"hour": 11, "minute": 3}
